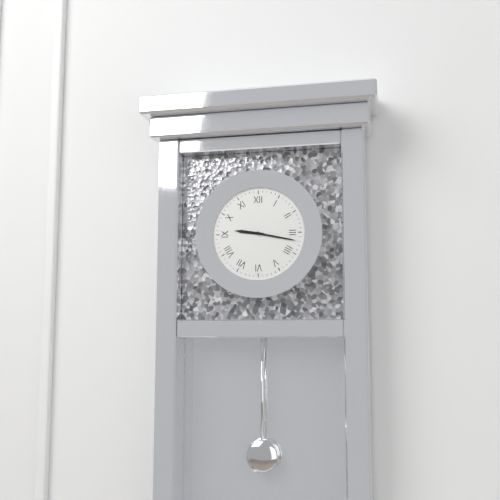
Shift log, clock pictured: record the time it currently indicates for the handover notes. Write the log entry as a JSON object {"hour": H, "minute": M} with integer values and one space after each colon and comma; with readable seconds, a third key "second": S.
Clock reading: {"hour": 9, "minute": 17}
